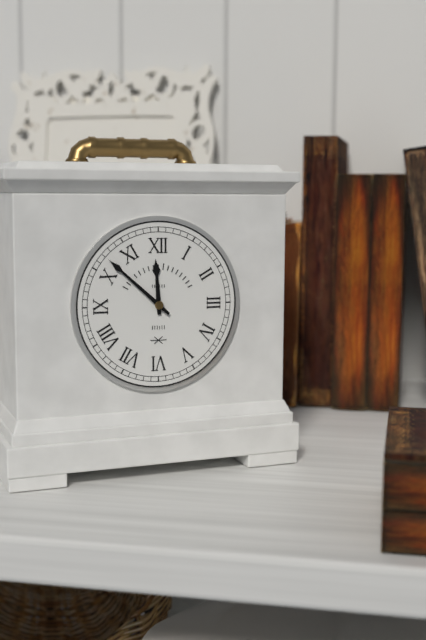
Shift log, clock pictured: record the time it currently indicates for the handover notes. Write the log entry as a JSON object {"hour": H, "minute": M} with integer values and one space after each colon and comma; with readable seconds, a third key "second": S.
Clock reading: {"hour": 11, "minute": 52}
